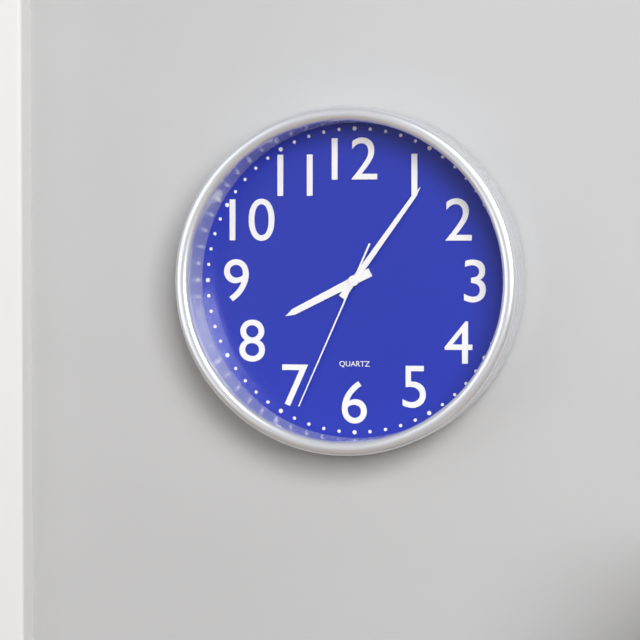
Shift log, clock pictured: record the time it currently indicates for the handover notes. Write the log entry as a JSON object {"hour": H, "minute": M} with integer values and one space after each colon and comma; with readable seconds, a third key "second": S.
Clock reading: {"hour": 8, "minute": 6, "second": 34}
